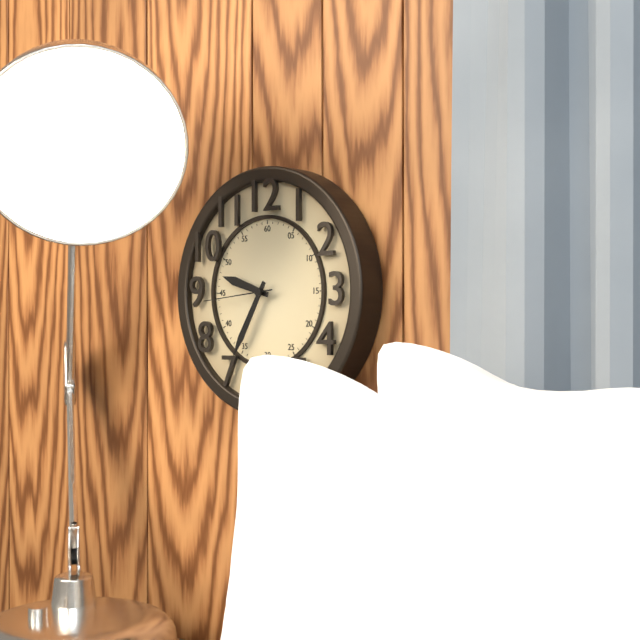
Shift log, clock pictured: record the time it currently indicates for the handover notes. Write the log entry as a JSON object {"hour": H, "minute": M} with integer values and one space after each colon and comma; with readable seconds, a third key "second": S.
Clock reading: {"hour": 9, "minute": 35, "second": 44}
